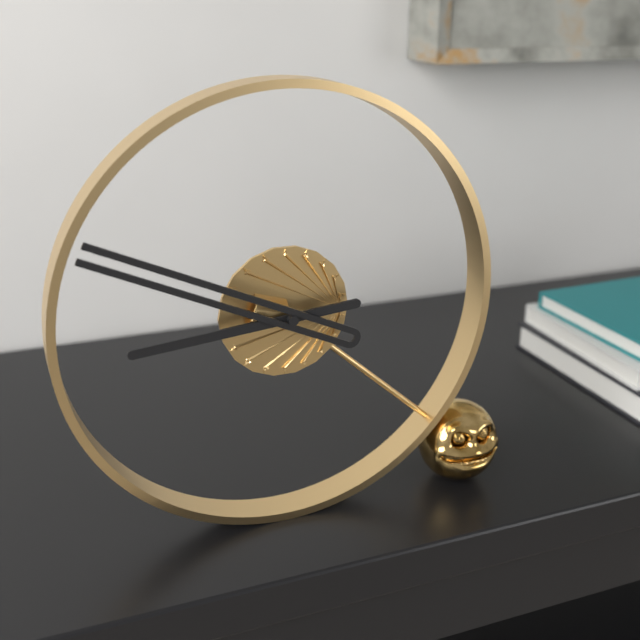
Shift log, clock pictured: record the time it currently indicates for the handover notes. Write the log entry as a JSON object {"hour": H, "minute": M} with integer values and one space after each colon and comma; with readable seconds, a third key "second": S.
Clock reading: {"hour": 8, "minute": 49}
